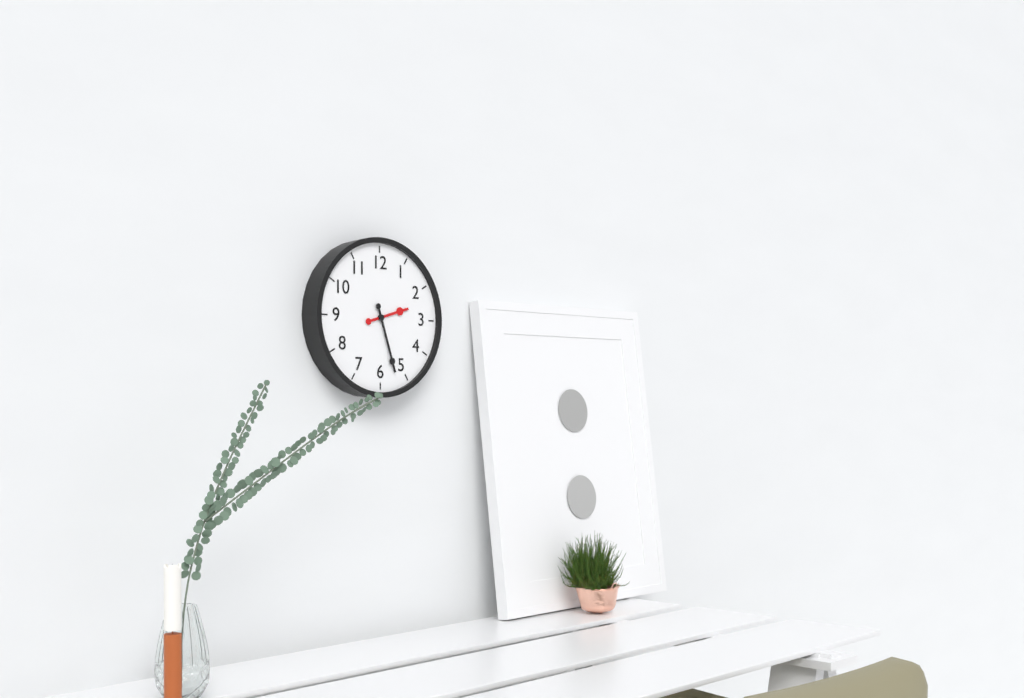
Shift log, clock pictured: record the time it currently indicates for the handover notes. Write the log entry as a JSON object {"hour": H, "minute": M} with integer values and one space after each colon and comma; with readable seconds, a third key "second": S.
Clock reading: {"hour": 2, "minute": 27}
